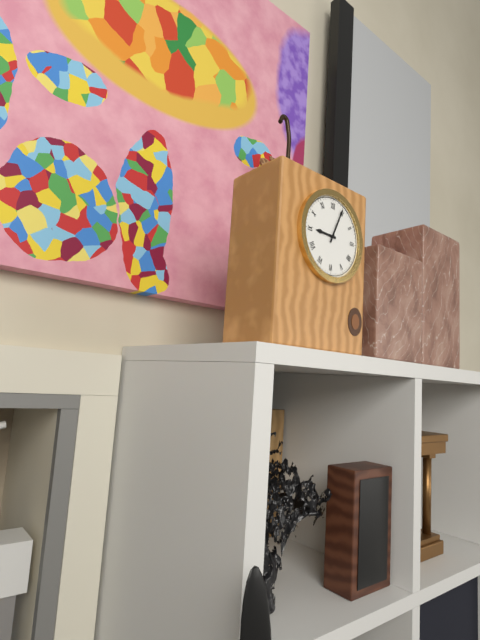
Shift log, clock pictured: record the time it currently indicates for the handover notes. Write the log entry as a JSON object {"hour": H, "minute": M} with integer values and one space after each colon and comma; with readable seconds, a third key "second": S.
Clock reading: {"hour": 9, "minute": 4}
